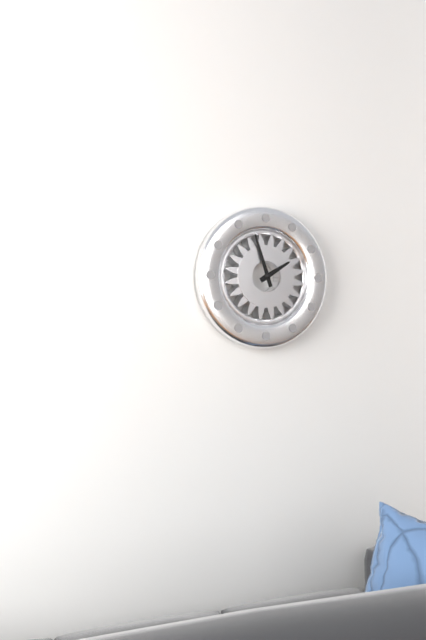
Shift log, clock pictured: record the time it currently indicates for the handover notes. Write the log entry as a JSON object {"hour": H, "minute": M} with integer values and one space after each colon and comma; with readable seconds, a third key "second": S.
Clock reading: {"hour": 1, "minute": 57}
